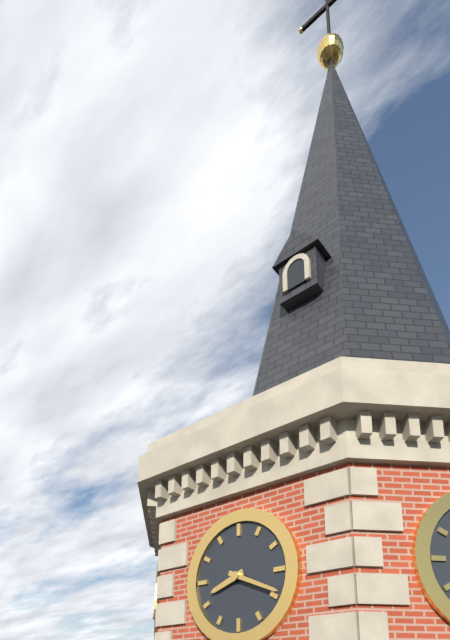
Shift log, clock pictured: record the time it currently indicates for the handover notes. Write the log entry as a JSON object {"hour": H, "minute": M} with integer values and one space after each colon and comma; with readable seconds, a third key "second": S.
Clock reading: {"hour": 8, "minute": 19}
